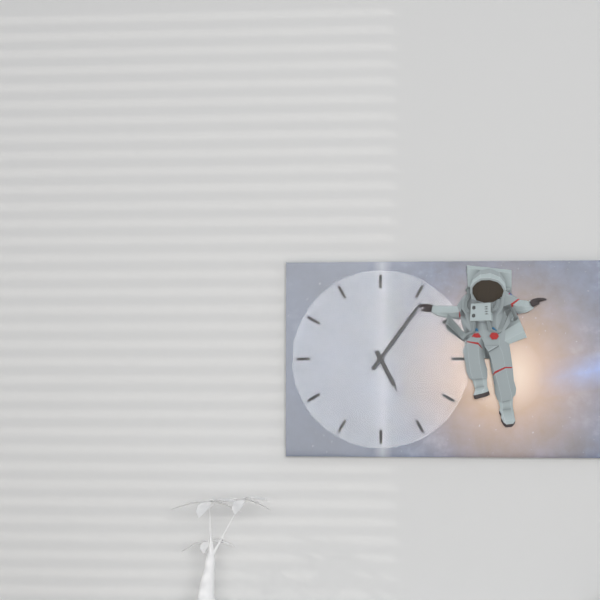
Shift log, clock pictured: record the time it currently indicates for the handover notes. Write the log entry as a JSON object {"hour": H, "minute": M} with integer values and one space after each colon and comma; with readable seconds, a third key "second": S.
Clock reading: {"hour": 5, "minute": 6}
